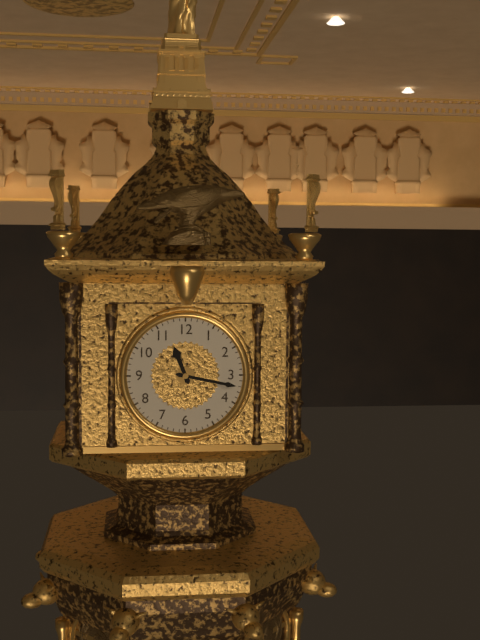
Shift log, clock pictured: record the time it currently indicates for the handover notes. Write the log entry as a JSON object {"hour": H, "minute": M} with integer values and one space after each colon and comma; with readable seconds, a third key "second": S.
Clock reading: {"hour": 11, "minute": 17}
